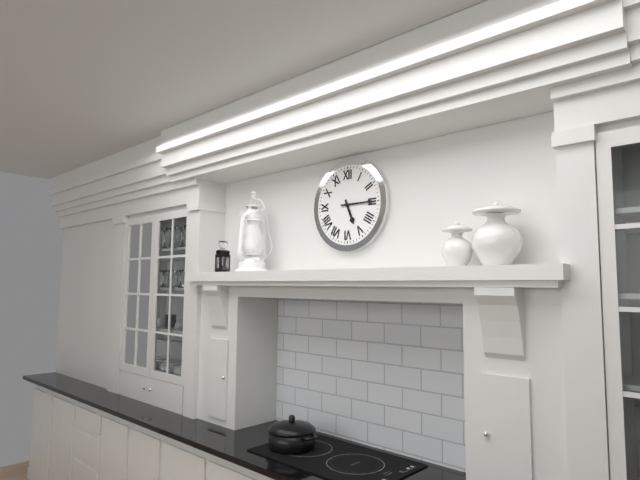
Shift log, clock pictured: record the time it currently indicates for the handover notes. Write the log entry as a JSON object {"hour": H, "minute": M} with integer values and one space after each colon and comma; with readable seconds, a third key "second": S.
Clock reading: {"hour": 5, "minute": 15}
